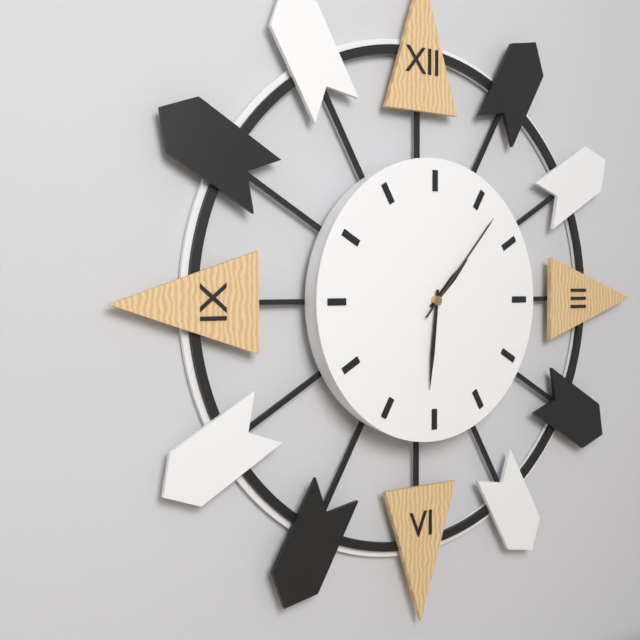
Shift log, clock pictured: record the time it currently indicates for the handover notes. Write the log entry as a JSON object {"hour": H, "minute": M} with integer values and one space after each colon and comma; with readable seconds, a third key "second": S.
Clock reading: {"hour": 1, "minute": 31, "second": 7}
